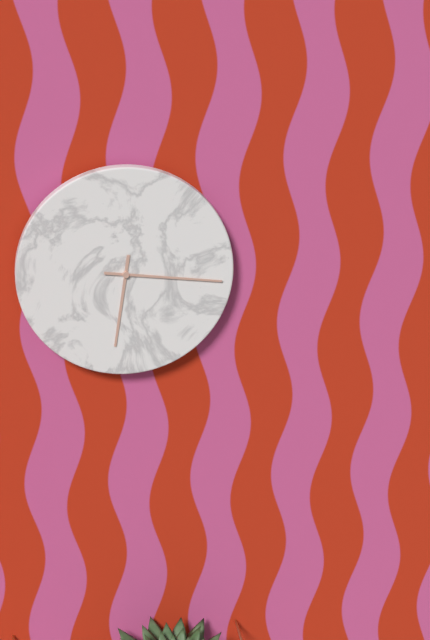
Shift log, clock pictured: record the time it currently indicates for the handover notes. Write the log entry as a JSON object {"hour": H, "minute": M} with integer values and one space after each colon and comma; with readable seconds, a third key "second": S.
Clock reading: {"hour": 6, "minute": 16}
